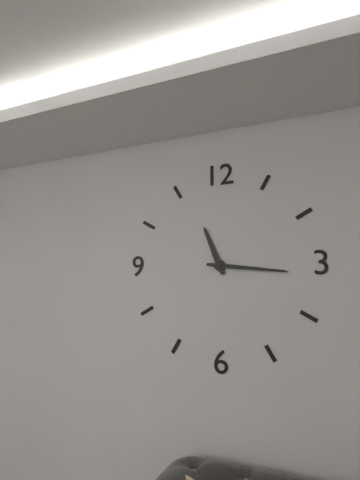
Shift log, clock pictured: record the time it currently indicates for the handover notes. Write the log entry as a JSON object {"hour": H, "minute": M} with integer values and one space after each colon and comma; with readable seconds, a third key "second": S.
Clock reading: {"hour": 11, "minute": 16}
